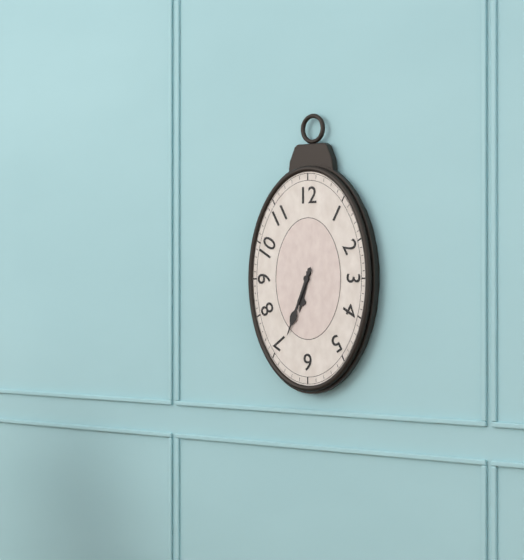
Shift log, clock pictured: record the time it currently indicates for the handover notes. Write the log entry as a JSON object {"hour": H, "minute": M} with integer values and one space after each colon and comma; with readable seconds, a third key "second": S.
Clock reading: {"hour": 6, "minute": 34}
